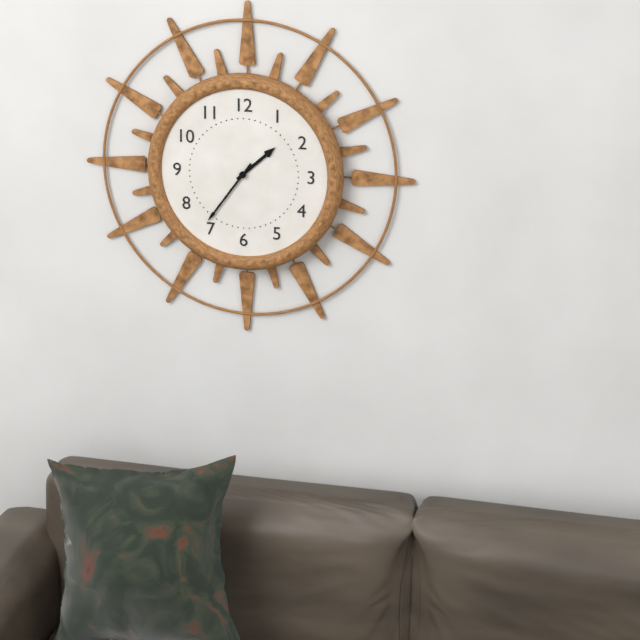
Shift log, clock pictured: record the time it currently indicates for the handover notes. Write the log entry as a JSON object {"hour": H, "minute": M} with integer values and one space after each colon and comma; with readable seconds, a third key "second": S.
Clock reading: {"hour": 1, "minute": 36}
